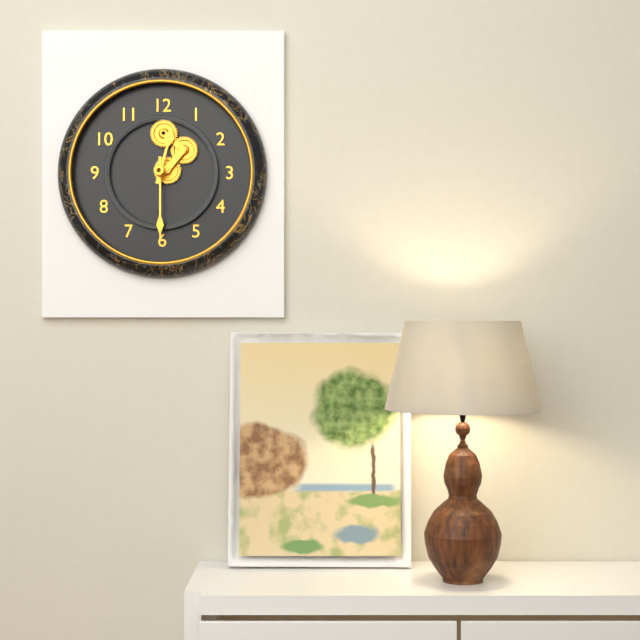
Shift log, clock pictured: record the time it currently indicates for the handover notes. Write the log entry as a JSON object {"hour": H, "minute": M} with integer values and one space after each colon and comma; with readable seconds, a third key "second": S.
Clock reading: {"hour": 12, "minute": 30}
